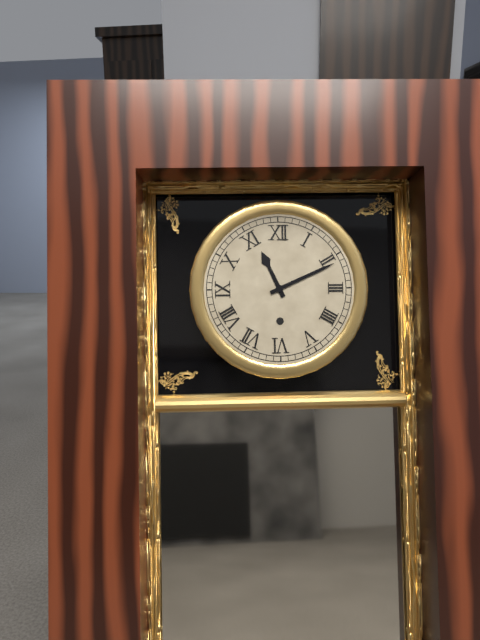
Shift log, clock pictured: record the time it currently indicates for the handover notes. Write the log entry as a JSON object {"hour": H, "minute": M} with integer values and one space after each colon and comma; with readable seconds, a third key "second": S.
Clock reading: {"hour": 11, "minute": 11}
